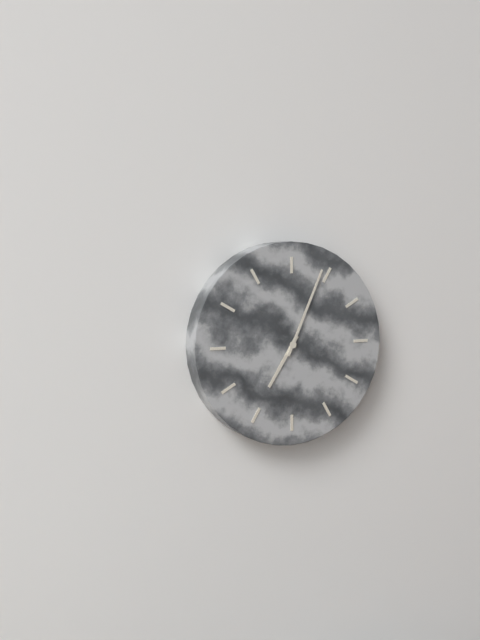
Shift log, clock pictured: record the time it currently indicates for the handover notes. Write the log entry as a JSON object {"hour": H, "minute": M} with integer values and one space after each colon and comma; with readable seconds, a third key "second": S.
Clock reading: {"hour": 7, "minute": 4}
